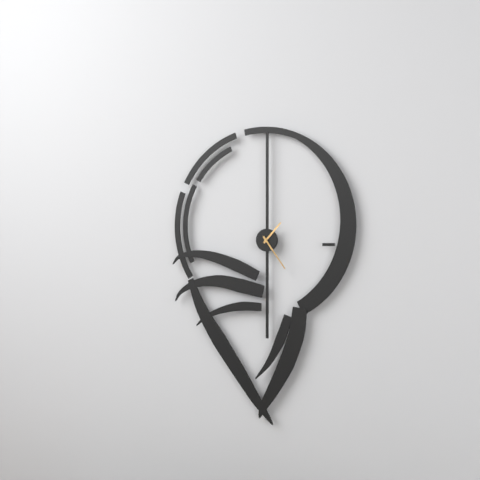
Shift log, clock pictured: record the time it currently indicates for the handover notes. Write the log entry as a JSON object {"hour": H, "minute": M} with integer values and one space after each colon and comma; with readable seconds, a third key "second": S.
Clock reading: {"hour": 1, "minute": 24}
